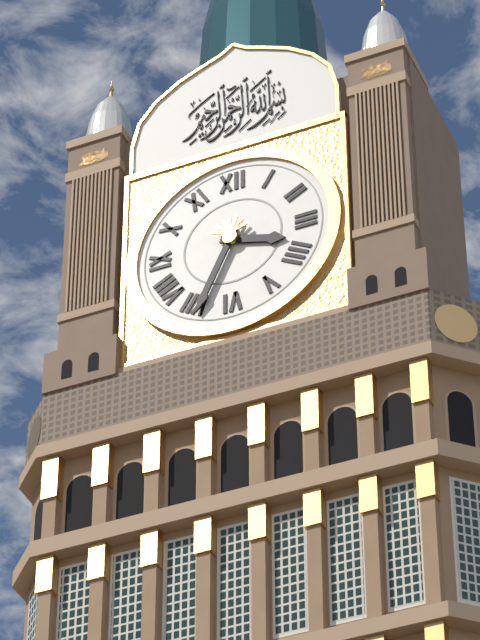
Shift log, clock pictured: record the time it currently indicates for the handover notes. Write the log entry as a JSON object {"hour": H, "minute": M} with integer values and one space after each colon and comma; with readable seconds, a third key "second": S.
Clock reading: {"hour": 3, "minute": 34}
